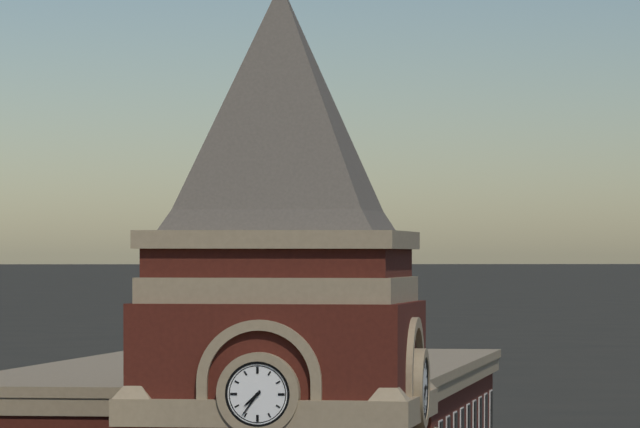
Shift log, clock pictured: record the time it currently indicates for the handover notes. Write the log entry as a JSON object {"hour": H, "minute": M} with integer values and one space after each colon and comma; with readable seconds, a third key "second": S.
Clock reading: {"hour": 7, "minute": 36}
